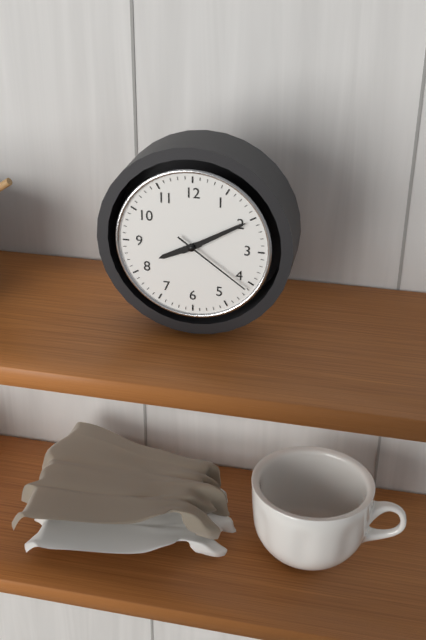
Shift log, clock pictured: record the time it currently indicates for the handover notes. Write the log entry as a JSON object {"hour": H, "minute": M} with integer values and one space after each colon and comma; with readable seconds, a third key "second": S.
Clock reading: {"hour": 8, "minute": 10, "second": 21}
